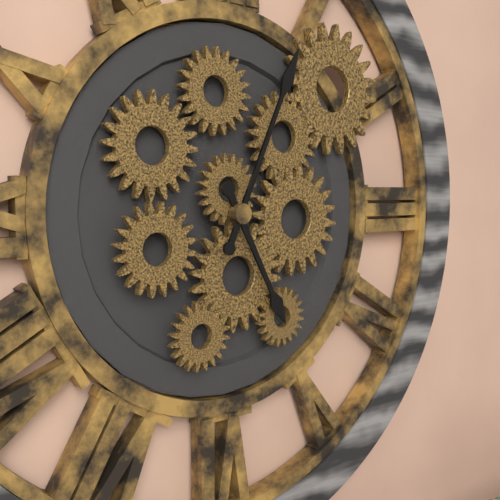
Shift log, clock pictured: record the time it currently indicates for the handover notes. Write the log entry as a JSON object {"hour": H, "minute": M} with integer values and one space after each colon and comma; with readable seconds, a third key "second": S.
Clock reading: {"hour": 5, "minute": 4}
